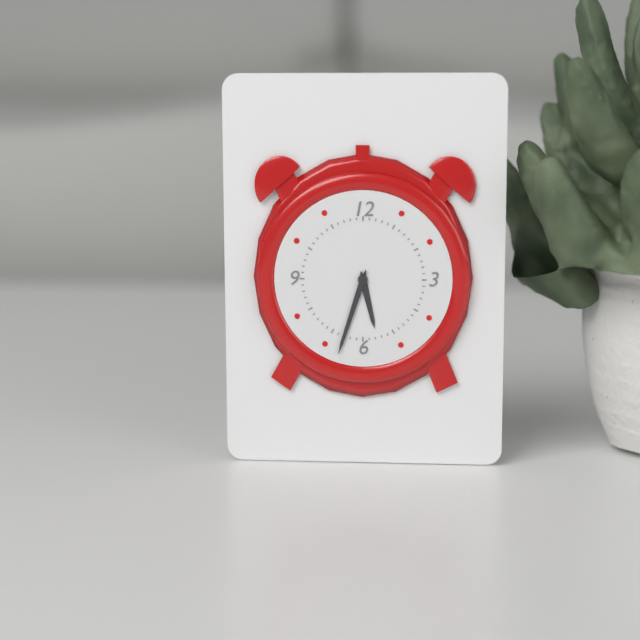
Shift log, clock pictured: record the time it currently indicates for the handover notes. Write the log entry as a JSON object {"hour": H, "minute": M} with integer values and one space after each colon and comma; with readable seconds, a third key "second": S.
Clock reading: {"hour": 5, "minute": 33}
